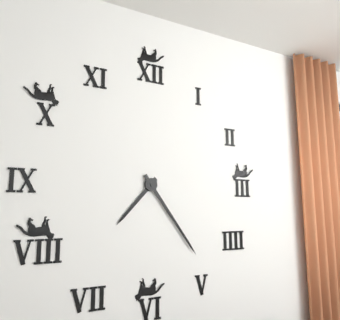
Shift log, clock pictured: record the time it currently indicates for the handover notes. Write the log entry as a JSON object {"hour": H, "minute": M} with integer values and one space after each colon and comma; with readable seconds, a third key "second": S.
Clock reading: {"hour": 7, "minute": 24}
